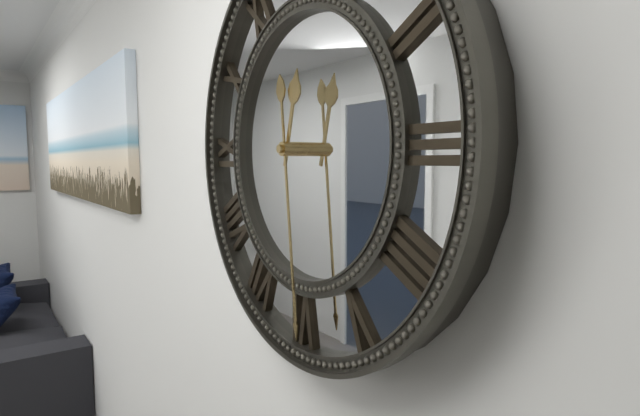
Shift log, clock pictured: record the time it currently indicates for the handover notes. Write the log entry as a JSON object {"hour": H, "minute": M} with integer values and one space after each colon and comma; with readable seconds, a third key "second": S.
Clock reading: {"hour": 12, "minute": 29}
